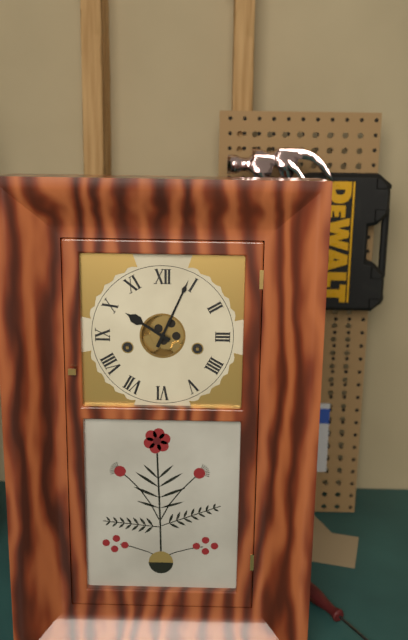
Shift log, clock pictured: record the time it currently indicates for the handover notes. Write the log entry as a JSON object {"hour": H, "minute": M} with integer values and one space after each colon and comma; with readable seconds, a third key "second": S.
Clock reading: {"hour": 10, "minute": 4}
